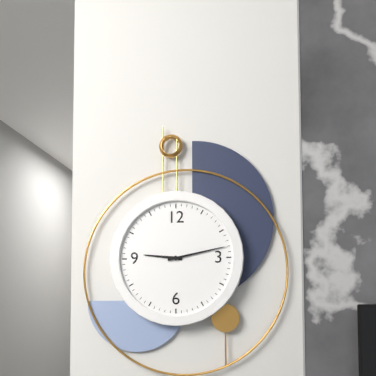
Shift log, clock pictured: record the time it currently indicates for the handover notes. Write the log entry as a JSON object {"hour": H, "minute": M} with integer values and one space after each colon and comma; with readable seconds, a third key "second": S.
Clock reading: {"hour": 9, "minute": 13}
